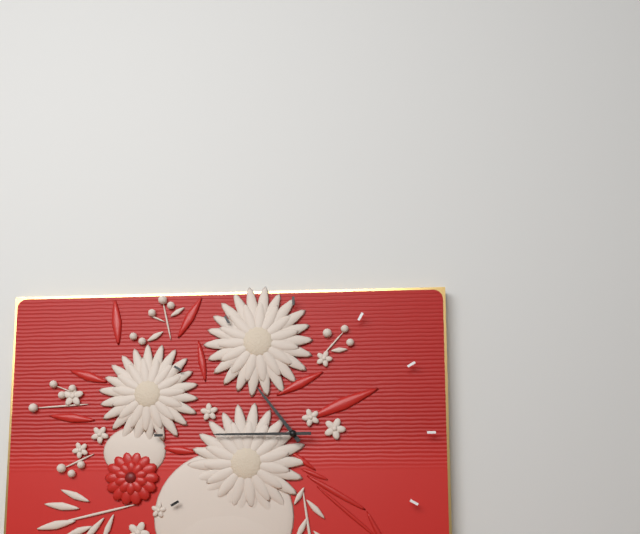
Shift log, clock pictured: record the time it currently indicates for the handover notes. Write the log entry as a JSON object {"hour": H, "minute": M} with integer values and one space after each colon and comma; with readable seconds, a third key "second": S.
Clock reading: {"hour": 10, "minute": 45}
